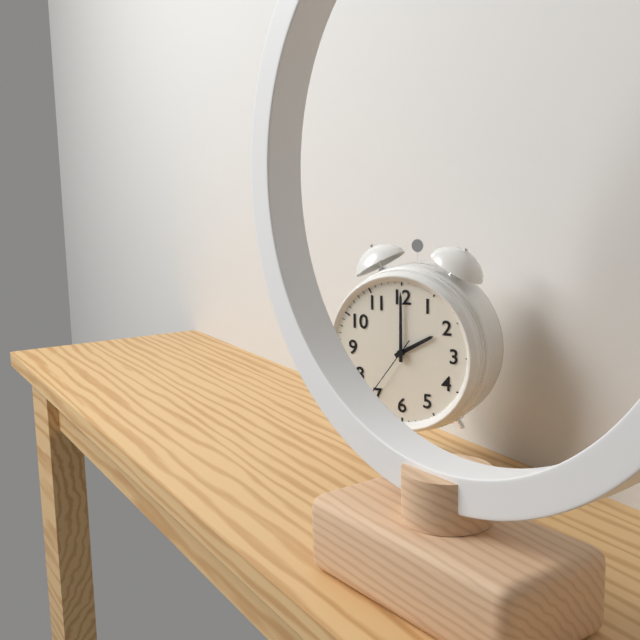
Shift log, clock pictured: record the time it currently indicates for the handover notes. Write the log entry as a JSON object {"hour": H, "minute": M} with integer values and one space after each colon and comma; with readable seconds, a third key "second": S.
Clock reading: {"hour": 2, "minute": 0, "second": 36}
